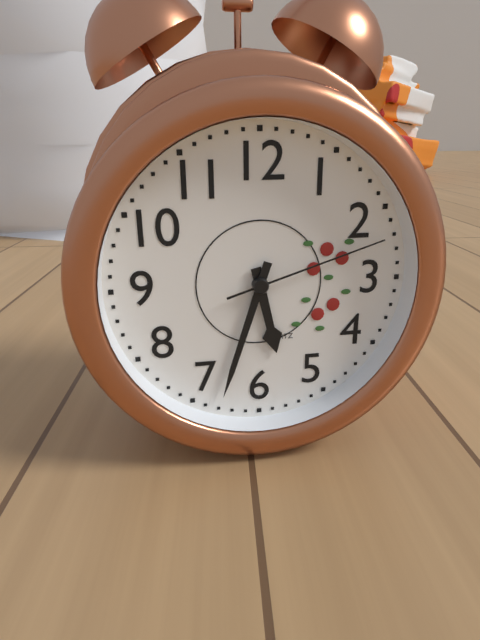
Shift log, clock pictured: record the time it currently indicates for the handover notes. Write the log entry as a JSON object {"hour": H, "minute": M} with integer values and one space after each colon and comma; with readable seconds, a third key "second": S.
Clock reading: {"hour": 5, "minute": 33, "second": 12}
